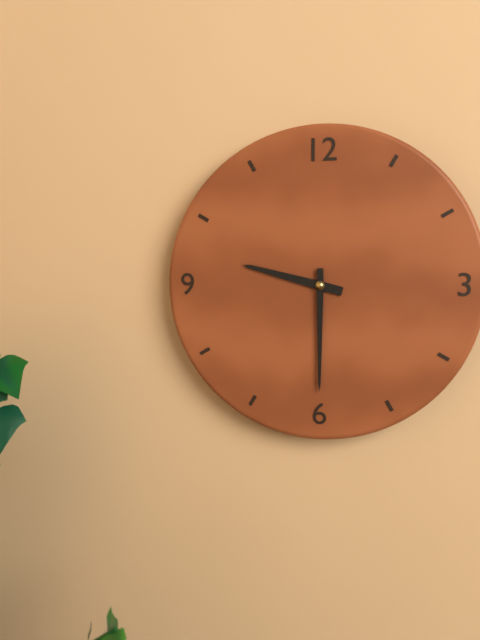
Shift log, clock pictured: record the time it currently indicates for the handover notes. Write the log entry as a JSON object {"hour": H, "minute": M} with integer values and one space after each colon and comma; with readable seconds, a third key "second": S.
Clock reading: {"hour": 9, "minute": 30}
